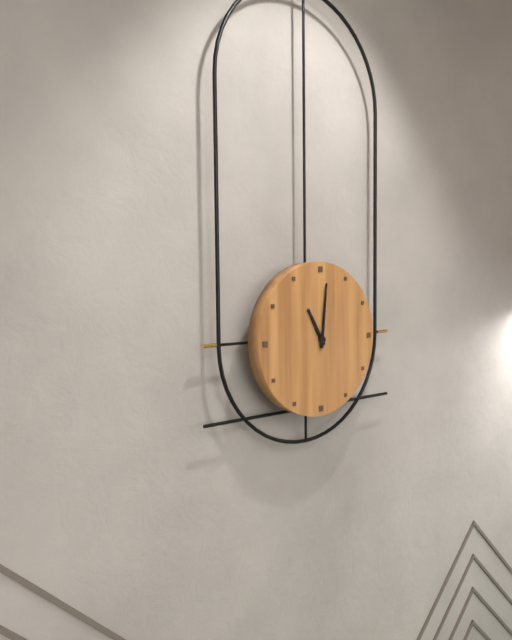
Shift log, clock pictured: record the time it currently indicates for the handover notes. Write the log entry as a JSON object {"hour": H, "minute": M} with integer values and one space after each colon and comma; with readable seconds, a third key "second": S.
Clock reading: {"hour": 11, "minute": 1}
